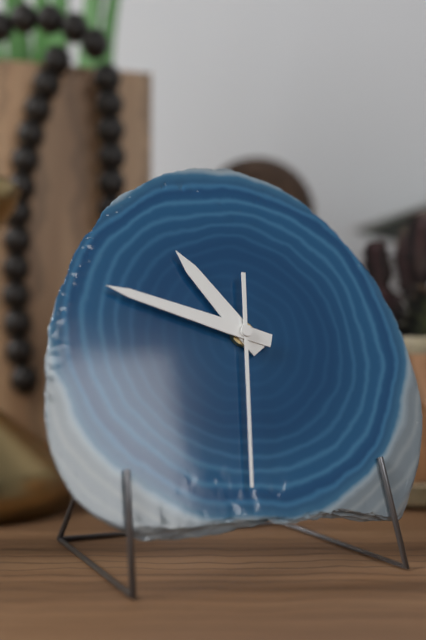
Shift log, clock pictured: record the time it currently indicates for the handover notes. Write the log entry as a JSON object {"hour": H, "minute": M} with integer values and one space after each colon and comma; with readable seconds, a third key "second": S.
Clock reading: {"hour": 10, "minute": 48, "second": 31}
